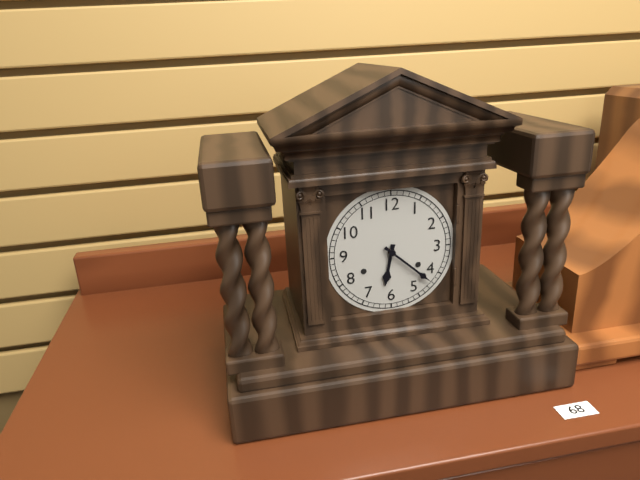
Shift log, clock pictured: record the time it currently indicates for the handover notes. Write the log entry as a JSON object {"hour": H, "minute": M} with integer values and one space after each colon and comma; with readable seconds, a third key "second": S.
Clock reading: {"hour": 6, "minute": 22}
